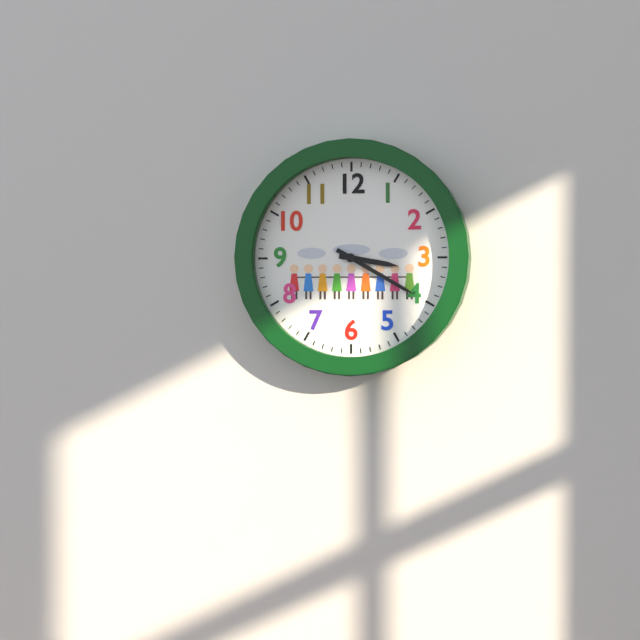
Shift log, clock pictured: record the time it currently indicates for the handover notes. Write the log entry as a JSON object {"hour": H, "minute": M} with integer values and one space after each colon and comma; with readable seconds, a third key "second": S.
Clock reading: {"hour": 3, "minute": 20}
